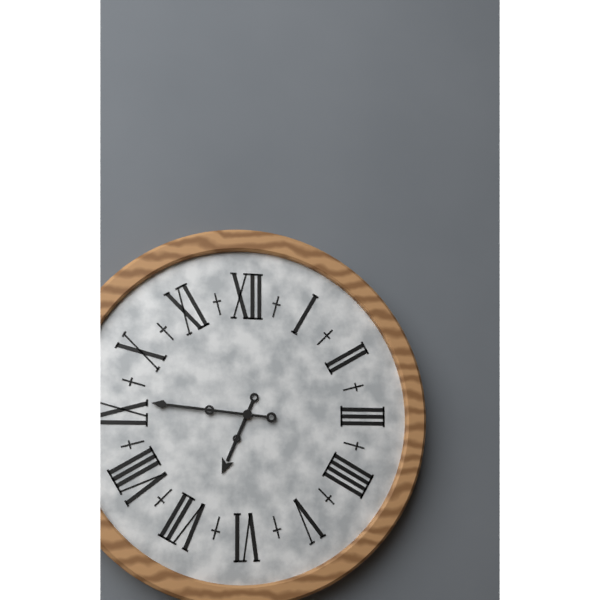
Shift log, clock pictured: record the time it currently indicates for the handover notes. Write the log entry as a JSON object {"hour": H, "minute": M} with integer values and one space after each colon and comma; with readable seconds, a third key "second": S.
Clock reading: {"hour": 6, "minute": 46}
